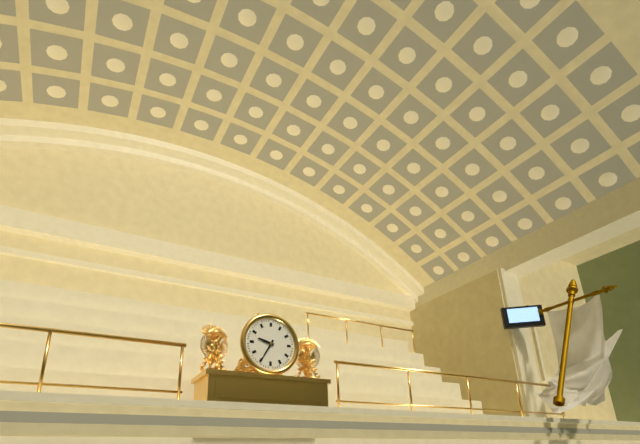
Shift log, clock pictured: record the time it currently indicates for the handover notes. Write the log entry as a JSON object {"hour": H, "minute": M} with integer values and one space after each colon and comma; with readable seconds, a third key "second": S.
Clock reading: {"hour": 9, "minute": 35}
